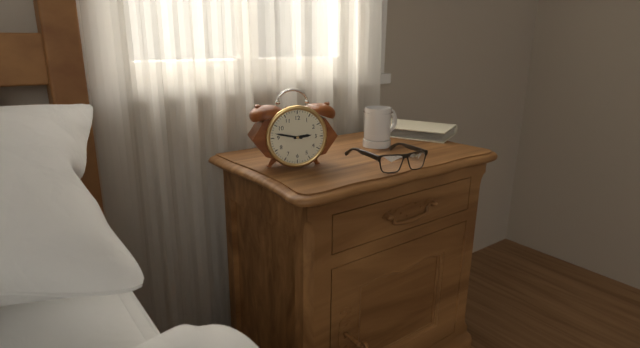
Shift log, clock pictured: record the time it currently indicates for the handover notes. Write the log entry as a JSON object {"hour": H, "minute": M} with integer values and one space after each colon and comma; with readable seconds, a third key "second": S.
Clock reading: {"hour": 2, "minute": 47}
